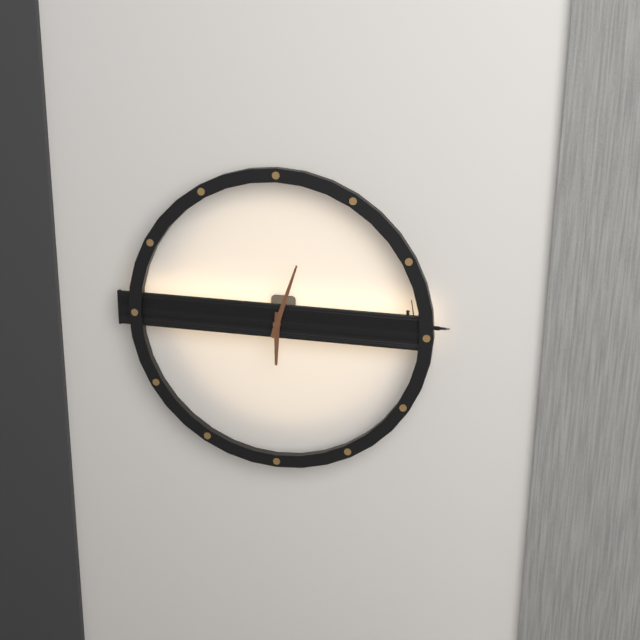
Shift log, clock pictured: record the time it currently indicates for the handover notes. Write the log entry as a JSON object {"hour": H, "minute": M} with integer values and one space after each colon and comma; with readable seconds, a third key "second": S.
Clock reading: {"hour": 6, "minute": 3}
